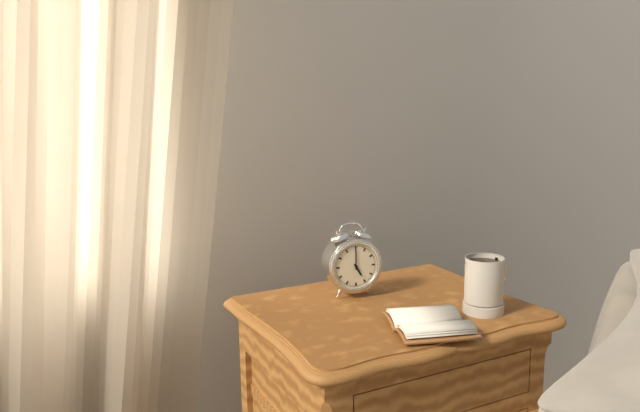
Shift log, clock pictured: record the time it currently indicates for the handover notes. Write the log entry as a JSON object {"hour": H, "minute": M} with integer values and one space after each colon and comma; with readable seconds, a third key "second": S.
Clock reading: {"hour": 5, "minute": 0}
